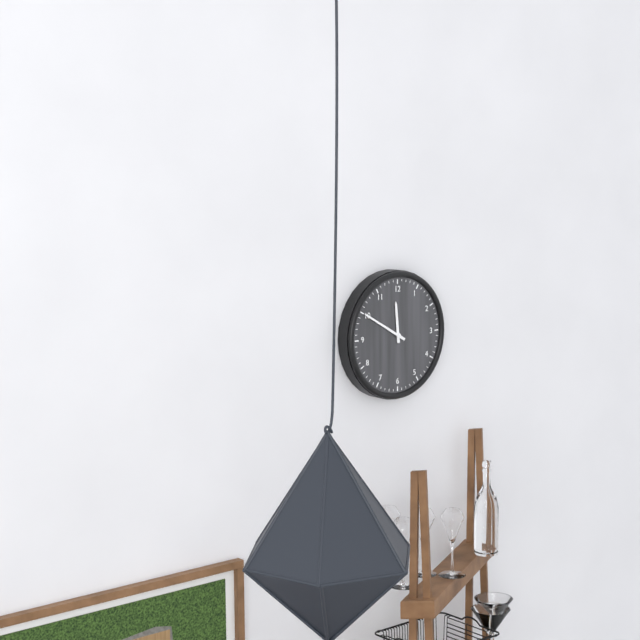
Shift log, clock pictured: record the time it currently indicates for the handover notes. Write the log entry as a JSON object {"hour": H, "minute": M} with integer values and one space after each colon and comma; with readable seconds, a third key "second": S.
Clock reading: {"hour": 11, "minute": 50}
